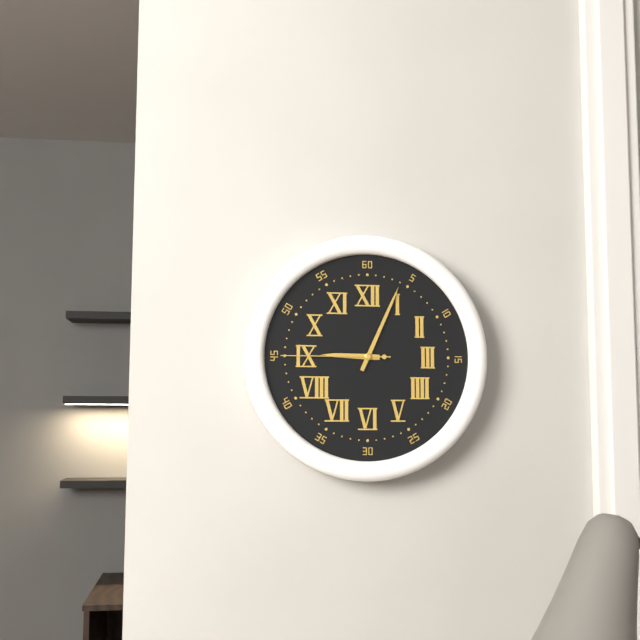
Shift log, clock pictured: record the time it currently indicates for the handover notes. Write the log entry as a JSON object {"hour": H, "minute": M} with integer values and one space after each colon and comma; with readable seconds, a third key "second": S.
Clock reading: {"hour": 9, "minute": 4, "second": 45}
